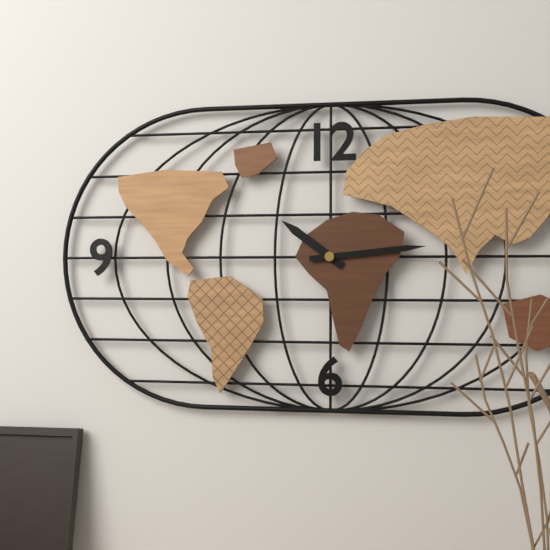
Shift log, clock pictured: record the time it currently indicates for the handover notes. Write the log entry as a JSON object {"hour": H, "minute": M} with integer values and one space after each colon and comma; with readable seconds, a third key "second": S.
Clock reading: {"hour": 10, "minute": 14}
